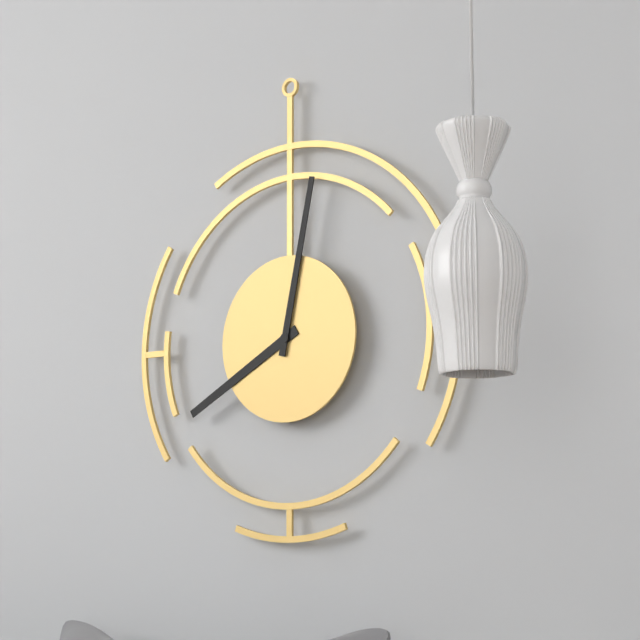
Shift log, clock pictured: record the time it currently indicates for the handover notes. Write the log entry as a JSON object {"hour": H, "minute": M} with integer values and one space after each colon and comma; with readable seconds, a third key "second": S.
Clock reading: {"hour": 8, "minute": 2}
